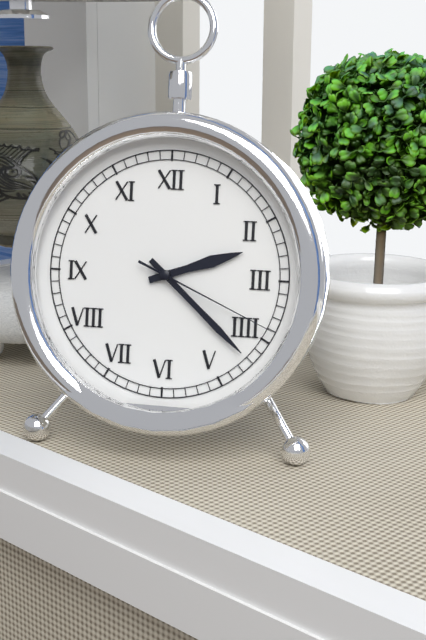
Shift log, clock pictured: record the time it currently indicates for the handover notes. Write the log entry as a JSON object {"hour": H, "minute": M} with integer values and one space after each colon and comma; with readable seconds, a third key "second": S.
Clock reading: {"hour": 2, "minute": 22, "second": 19}
